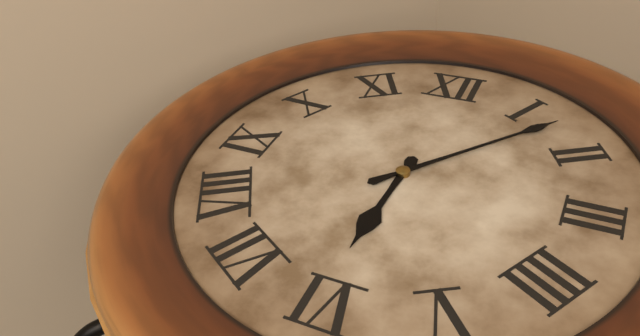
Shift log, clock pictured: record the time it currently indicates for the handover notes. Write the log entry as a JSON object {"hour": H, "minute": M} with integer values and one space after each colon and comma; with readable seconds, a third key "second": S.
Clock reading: {"hour": 6, "minute": 7}
